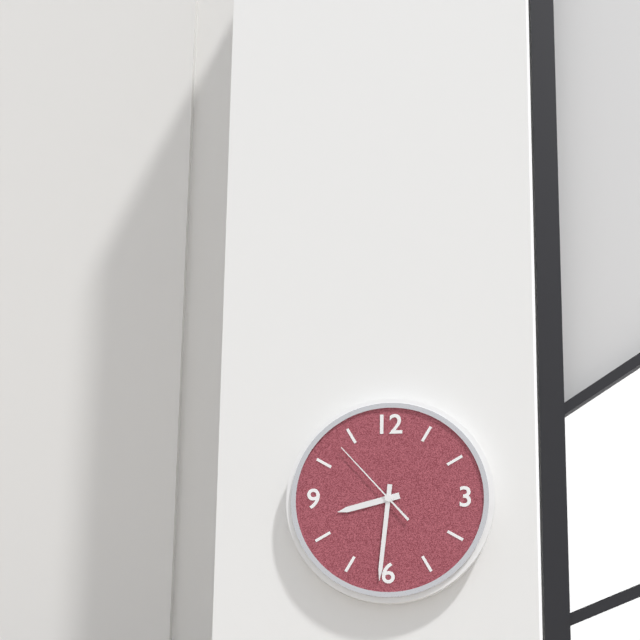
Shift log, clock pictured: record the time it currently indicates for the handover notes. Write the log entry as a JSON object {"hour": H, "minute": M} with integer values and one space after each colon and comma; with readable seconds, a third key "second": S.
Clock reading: {"hour": 8, "minute": 31, "second": 53}
